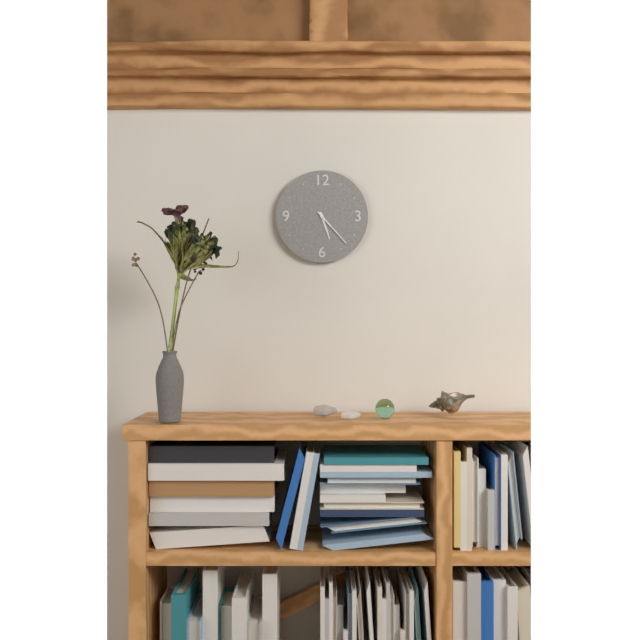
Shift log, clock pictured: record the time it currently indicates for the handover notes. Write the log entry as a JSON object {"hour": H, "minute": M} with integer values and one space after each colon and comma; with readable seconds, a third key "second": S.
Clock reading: {"hour": 5, "minute": 23}
